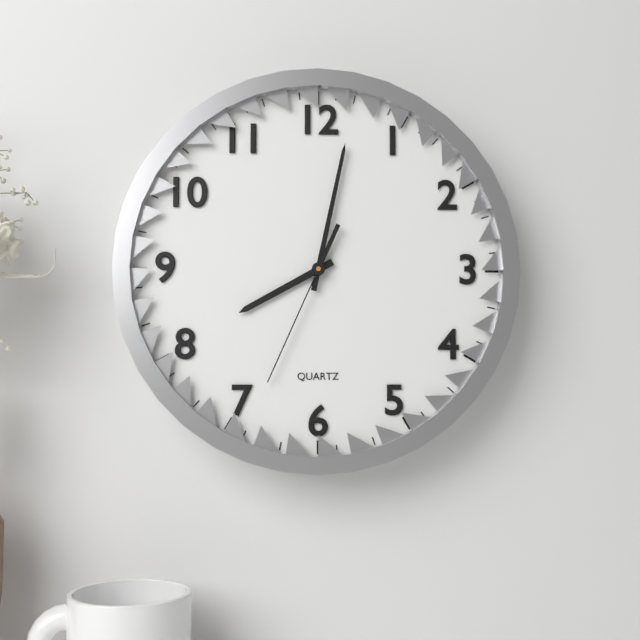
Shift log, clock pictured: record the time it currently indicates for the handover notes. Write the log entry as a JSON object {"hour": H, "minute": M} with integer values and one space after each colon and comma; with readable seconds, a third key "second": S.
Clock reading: {"hour": 8, "minute": 2, "second": 34}
